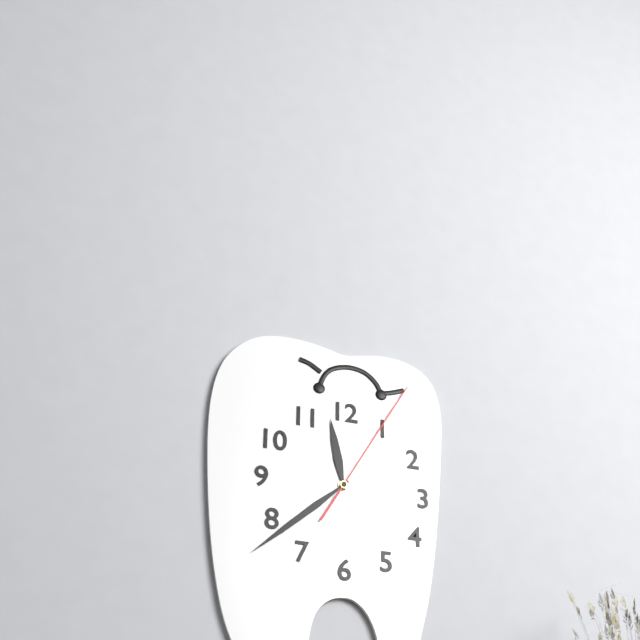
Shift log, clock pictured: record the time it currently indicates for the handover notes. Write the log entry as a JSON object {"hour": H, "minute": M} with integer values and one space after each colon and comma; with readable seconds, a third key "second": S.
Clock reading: {"hour": 11, "minute": 38, "second": 5}
